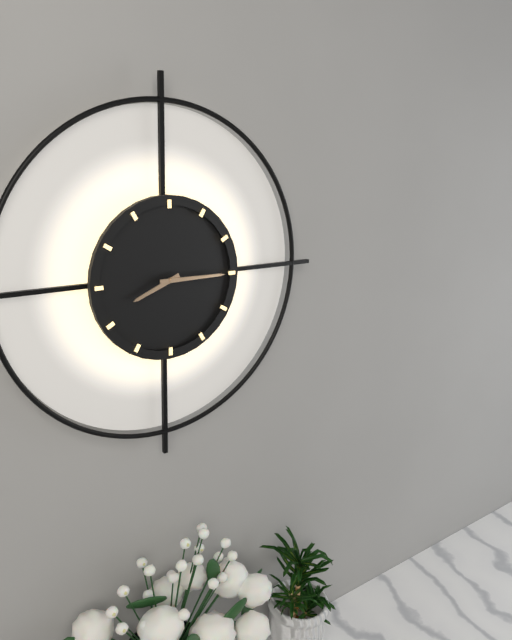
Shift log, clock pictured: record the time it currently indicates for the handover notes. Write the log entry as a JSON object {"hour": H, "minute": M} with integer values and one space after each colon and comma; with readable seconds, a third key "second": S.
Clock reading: {"hour": 8, "minute": 15}
